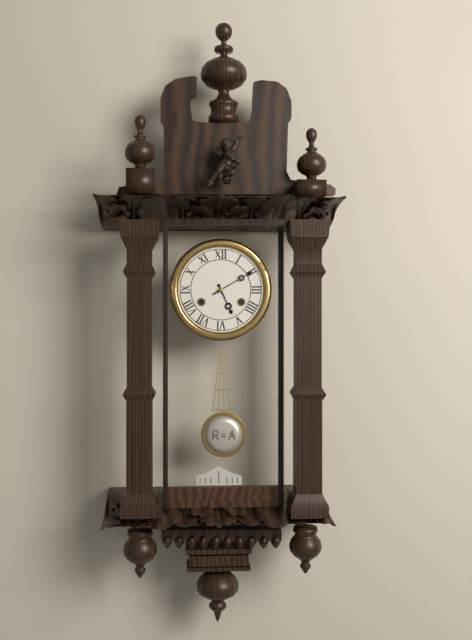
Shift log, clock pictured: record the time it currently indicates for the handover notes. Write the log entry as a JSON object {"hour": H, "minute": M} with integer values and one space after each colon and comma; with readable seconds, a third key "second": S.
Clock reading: {"hour": 5, "minute": 10}
